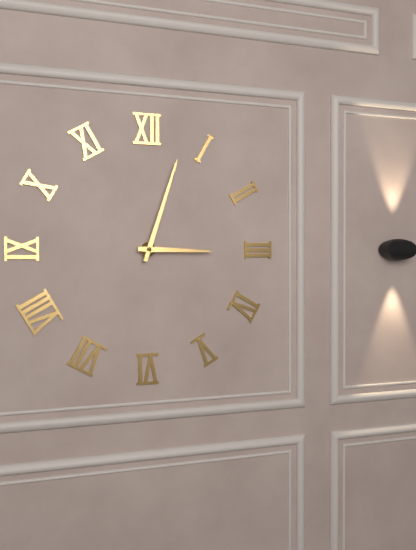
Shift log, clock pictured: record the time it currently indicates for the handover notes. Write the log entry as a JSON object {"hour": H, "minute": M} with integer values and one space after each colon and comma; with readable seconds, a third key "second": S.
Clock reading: {"hour": 3, "minute": 3}
